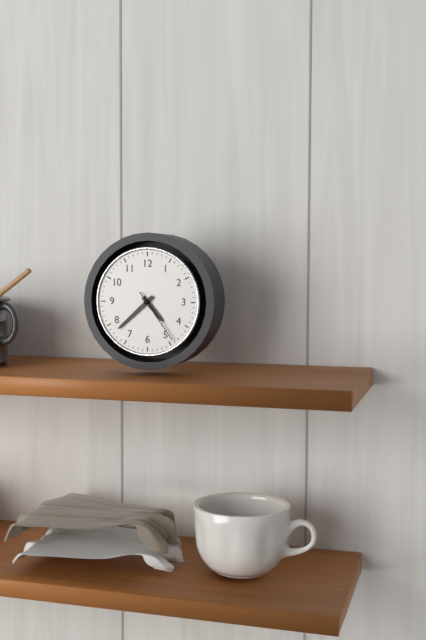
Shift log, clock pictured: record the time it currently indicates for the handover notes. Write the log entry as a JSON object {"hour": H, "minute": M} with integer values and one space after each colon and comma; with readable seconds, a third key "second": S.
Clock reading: {"hour": 4, "minute": 38, "second": 24}
